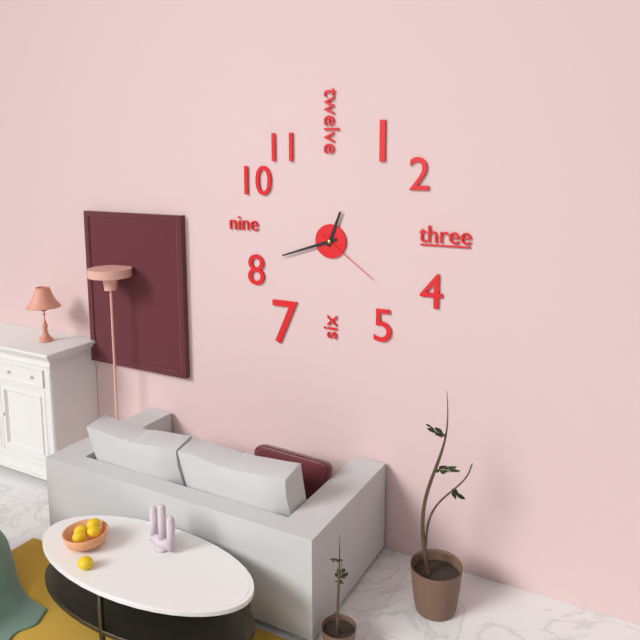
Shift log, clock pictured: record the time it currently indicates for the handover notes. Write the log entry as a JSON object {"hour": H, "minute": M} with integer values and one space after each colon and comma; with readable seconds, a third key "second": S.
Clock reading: {"hour": 12, "minute": 42, "second": 21}
